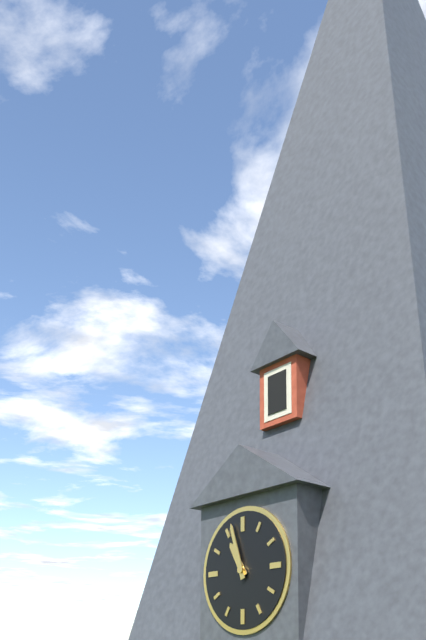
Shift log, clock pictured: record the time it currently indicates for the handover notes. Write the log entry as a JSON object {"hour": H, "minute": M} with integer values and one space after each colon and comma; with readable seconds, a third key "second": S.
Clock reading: {"hour": 10, "minute": 57}
